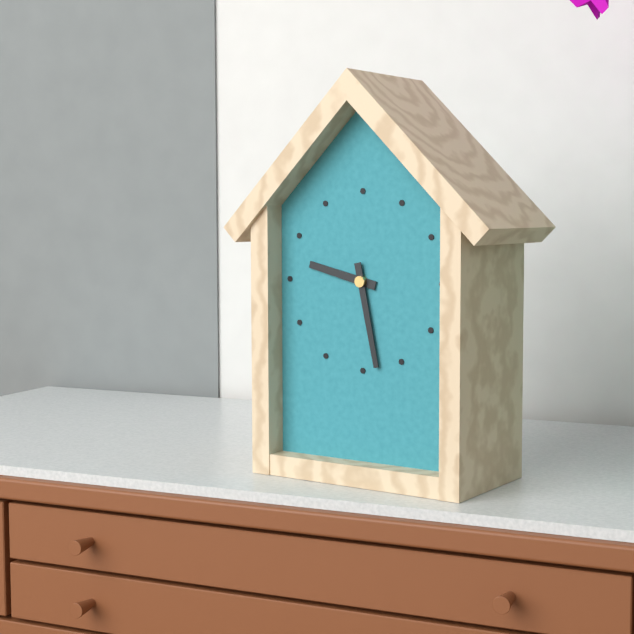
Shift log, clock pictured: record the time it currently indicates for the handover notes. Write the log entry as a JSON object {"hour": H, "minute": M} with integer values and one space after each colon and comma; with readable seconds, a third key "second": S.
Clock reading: {"hour": 9, "minute": 28}
